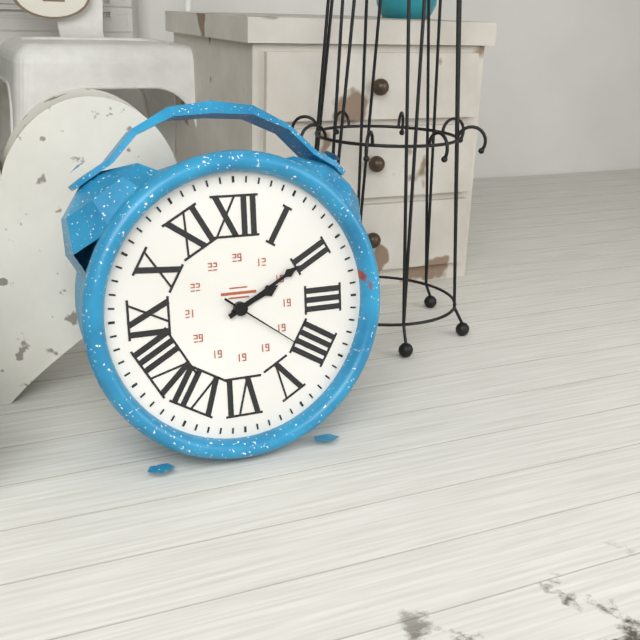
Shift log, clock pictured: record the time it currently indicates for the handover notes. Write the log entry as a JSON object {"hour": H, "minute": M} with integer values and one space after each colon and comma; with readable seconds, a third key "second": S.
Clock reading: {"hour": 2, "minute": 10, "second": 21}
